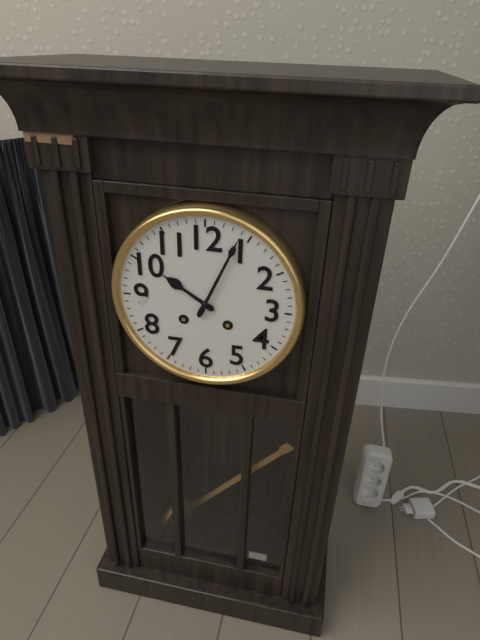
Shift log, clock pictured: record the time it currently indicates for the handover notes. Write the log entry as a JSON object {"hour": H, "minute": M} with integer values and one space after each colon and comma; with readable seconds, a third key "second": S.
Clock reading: {"hour": 10, "minute": 4}
